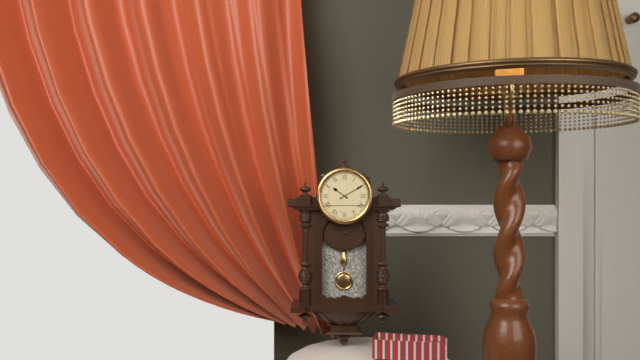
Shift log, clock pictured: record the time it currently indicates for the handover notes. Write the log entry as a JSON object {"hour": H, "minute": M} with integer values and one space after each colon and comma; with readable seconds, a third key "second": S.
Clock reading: {"hour": 10, "minute": 10}
